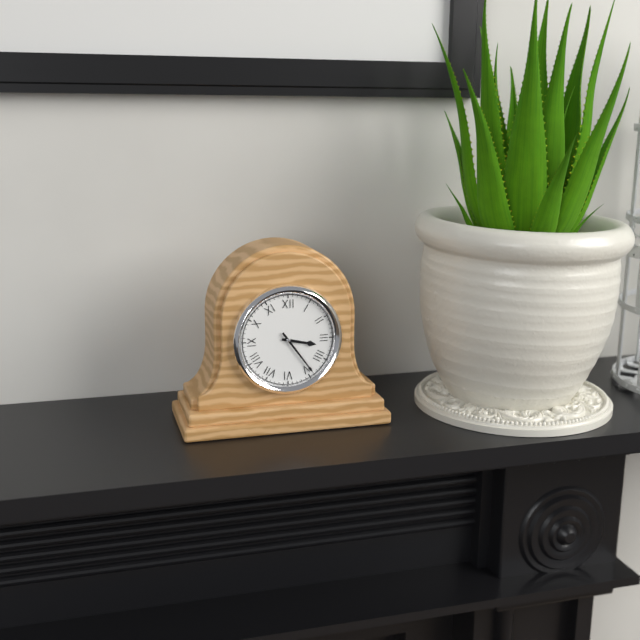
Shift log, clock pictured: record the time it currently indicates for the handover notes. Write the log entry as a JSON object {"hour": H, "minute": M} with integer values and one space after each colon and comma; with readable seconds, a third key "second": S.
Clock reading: {"hour": 3, "minute": 24}
